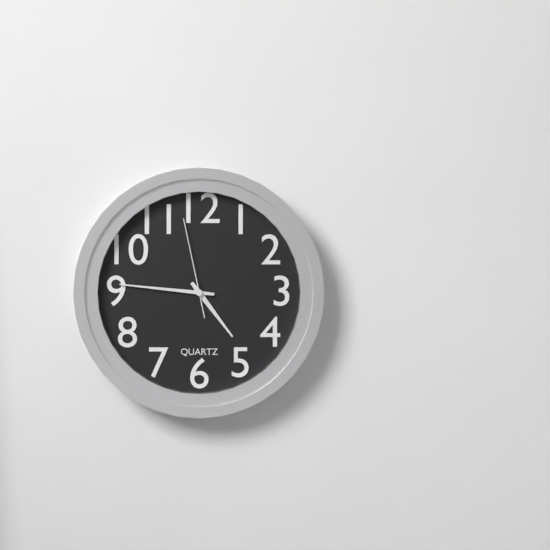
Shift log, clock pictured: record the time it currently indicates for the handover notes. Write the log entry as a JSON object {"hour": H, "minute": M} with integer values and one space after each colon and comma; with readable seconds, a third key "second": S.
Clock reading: {"hour": 4, "minute": 46, "second": 58}
